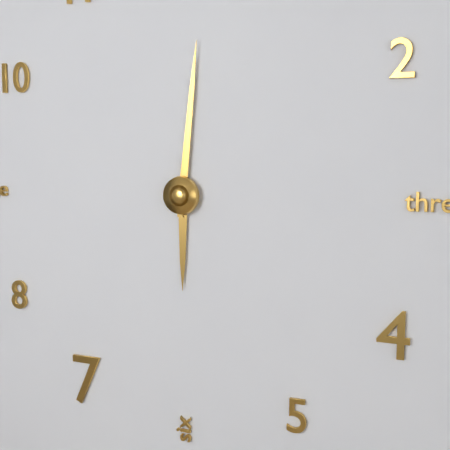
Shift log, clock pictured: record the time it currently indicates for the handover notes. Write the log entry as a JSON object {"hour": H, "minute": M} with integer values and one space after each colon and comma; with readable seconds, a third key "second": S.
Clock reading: {"hour": 6, "minute": 1}
